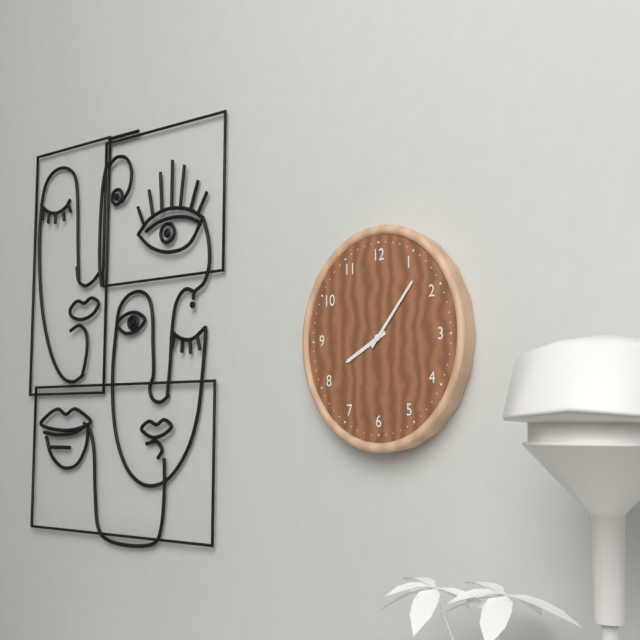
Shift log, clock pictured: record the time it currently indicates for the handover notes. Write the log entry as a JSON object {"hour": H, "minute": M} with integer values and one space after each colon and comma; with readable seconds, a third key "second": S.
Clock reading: {"hour": 8, "minute": 7}
